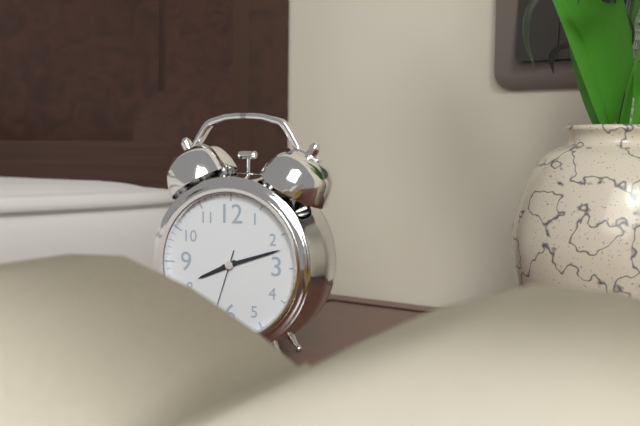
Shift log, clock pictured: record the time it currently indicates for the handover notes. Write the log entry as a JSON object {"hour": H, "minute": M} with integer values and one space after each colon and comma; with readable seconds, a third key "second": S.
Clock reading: {"hour": 8, "minute": 12}
